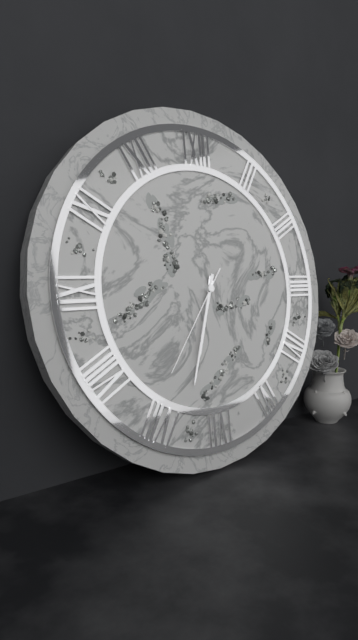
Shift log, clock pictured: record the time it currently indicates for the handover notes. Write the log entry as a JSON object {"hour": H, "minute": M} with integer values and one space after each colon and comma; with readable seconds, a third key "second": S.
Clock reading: {"hour": 6, "minute": 33, "second": 36}
